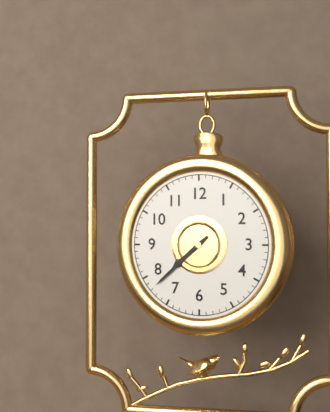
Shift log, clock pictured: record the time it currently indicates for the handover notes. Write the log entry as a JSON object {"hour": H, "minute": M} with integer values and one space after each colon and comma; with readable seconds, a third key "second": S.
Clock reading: {"hour": 7, "minute": 38}
